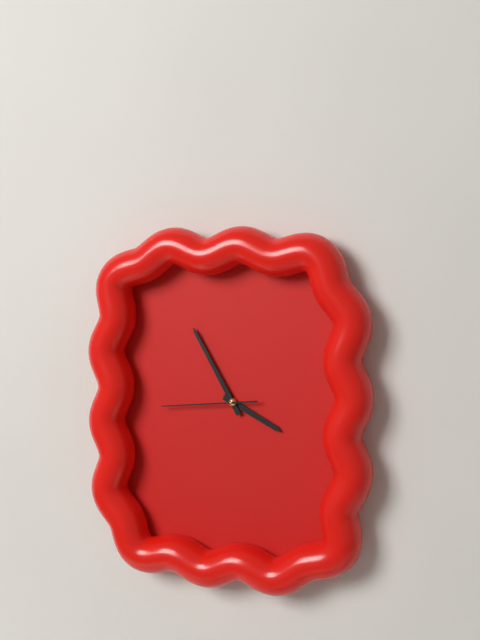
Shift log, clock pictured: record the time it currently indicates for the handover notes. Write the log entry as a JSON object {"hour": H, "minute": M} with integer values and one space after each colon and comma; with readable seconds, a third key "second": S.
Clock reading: {"hour": 3, "minute": 55, "second": 44}
